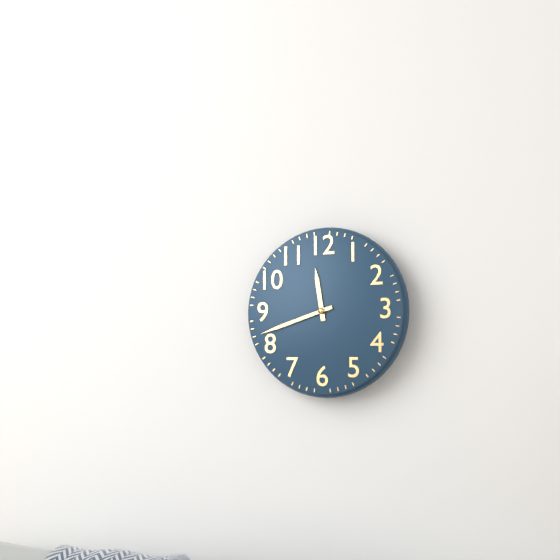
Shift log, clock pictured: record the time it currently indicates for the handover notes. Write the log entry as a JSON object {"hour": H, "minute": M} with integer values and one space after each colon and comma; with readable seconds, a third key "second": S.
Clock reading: {"hour": 11, "minute": 42}
